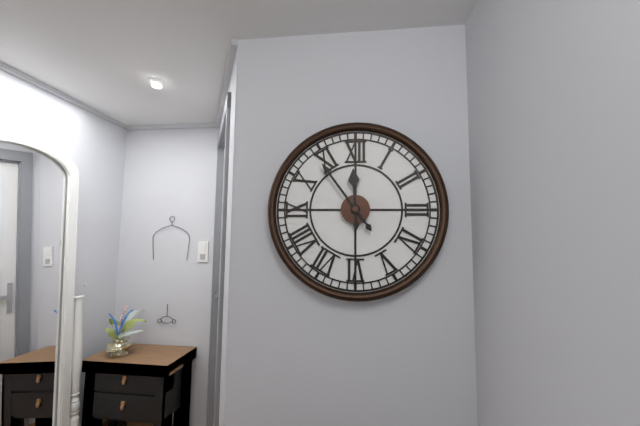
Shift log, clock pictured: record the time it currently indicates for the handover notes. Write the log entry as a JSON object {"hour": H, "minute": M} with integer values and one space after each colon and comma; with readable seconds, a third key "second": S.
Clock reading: {"hour": 11, "minute": 54}
